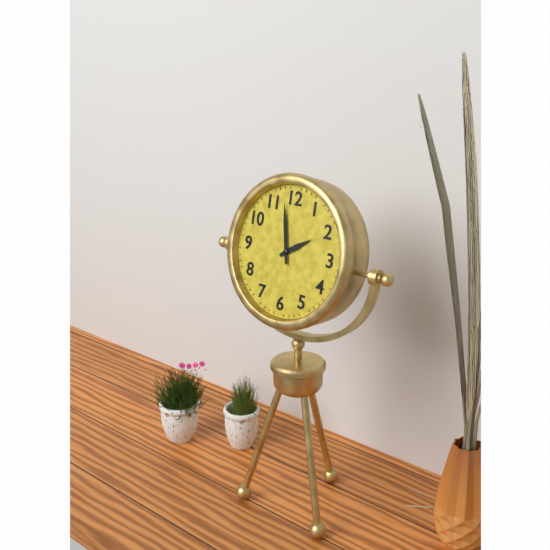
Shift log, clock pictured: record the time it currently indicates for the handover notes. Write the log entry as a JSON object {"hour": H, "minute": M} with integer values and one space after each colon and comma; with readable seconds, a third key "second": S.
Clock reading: {"hour": 1, "minute": 58}
